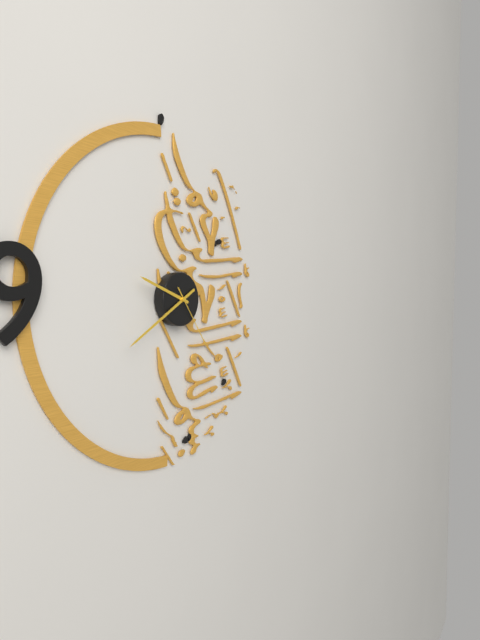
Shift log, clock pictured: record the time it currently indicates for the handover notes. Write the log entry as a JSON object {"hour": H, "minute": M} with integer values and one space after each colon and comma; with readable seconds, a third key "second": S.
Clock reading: {"hour": 9, "minute": 40, "second": 24}
